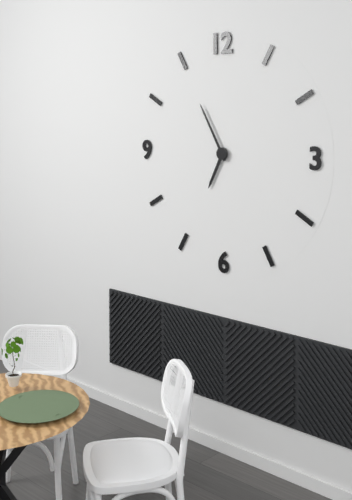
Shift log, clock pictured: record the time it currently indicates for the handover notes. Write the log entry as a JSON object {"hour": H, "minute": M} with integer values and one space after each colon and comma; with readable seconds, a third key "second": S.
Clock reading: {"hour": 6, "minute": 55}
